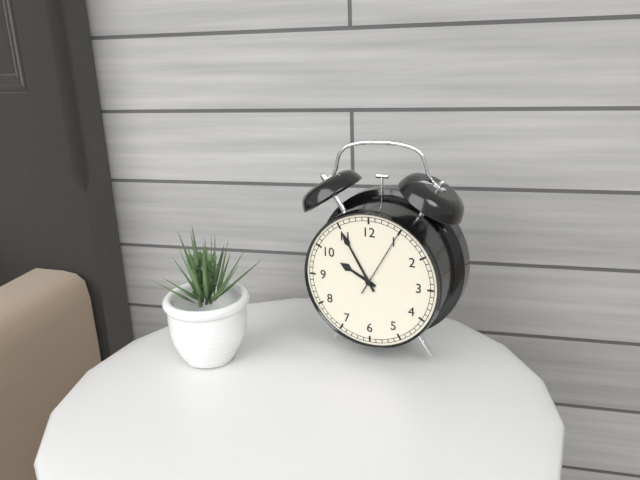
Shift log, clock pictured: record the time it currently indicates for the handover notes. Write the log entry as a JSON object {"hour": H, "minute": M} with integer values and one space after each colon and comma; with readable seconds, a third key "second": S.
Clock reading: {"hour": 9, "minute": 55, "second": 5}
